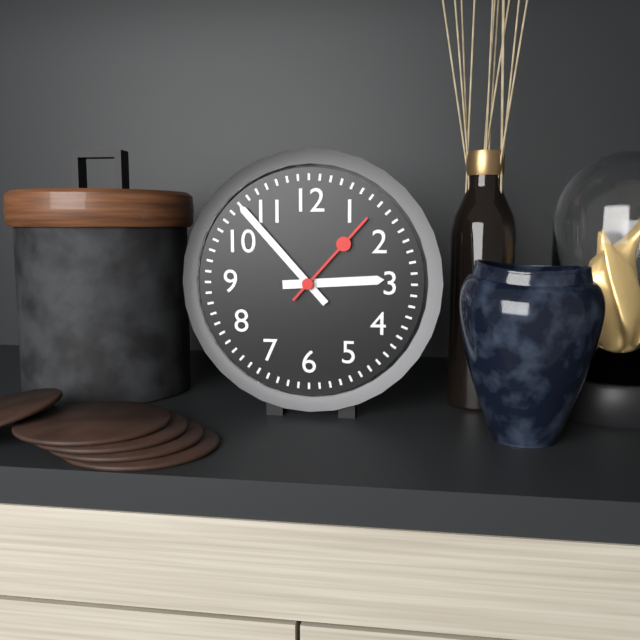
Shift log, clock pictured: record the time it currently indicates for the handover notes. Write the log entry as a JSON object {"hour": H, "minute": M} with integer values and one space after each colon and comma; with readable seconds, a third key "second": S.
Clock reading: {"hour": 2, "minute": 53, "second": 7}
